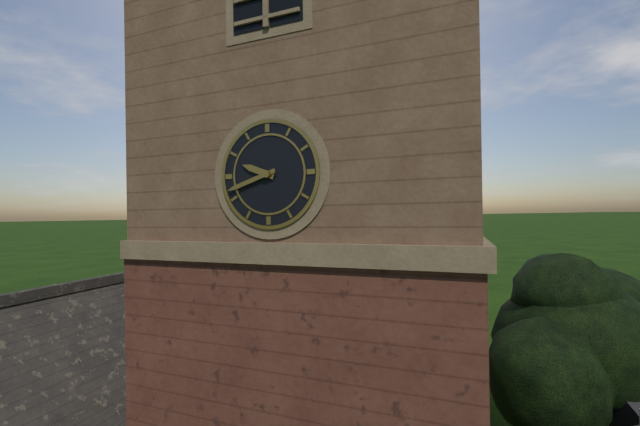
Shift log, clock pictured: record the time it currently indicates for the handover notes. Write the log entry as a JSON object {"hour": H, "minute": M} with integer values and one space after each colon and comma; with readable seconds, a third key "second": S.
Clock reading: {"hour": 9, "minute": 42}
